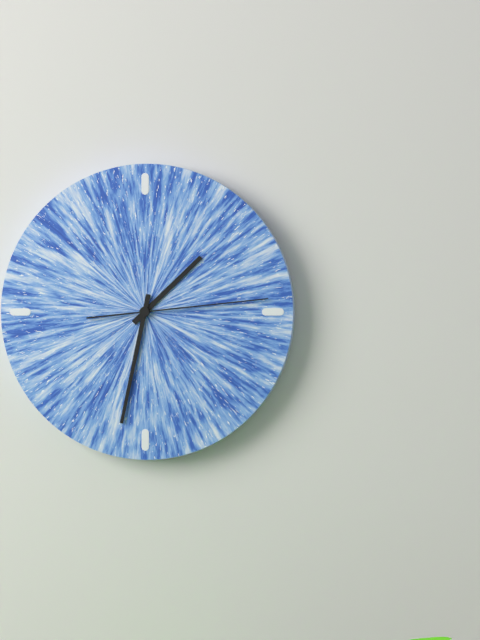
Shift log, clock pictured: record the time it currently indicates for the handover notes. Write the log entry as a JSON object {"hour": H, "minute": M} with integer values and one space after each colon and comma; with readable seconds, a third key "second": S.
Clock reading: {"hour": 1, "minute": 32, "second": 14}
